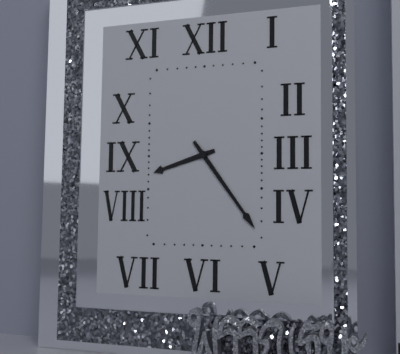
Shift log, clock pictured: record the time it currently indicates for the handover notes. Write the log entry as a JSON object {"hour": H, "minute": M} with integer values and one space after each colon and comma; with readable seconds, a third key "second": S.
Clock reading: {"hour": 8, "minute": 24}
